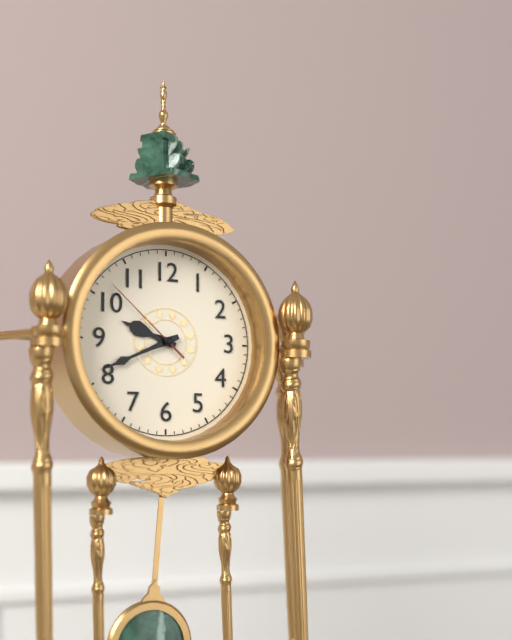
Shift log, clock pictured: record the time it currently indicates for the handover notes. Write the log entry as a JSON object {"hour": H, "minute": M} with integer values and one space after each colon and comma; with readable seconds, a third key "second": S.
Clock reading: {"hour": 9, "minute": 41, "second": 52}
